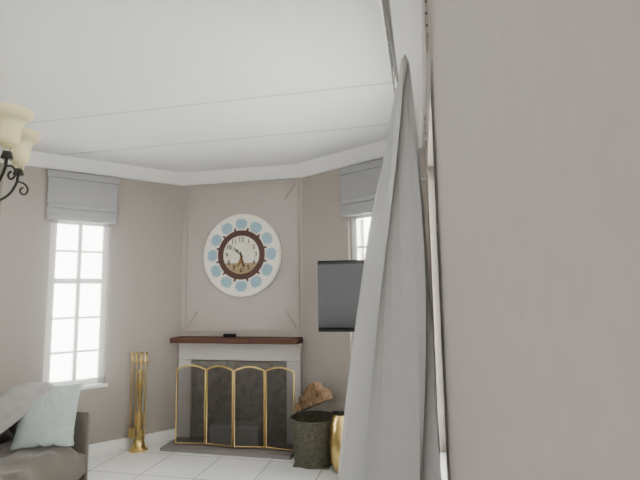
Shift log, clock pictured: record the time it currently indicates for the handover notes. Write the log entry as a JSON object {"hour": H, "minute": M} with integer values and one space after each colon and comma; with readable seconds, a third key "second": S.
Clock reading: {"hour": 10, "minute": 28}
